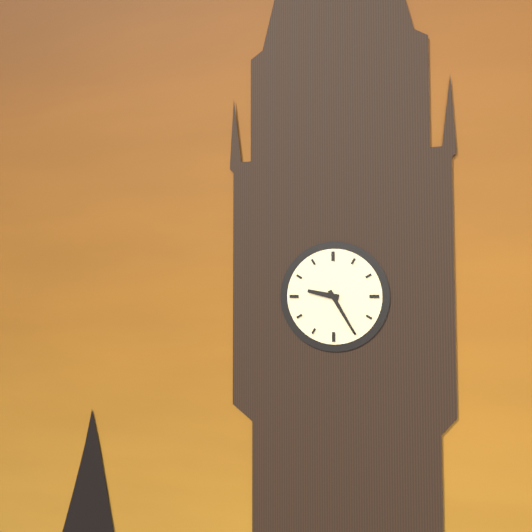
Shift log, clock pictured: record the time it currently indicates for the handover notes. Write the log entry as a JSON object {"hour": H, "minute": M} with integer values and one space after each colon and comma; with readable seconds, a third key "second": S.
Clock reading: {"hour": 9, "minute": 25}
